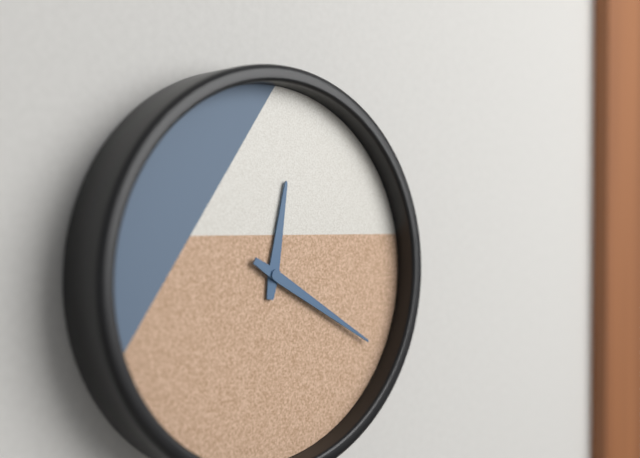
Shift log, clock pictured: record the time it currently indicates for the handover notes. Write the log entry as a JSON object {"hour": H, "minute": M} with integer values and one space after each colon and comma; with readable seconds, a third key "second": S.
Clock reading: {"hour": 12, "minute": 20}
